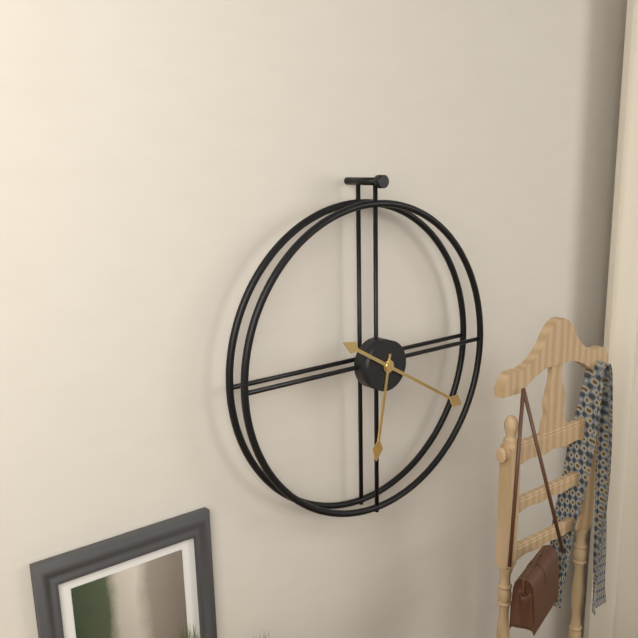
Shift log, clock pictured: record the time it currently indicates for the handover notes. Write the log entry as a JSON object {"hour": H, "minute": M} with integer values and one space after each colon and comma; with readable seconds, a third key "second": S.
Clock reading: {"hour": 6, "minute": 20}
